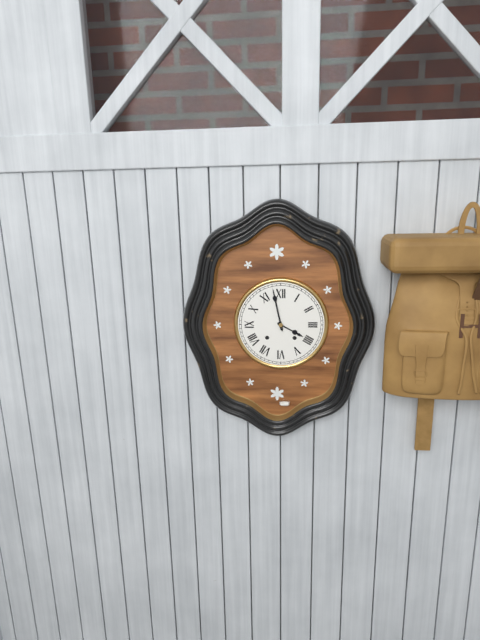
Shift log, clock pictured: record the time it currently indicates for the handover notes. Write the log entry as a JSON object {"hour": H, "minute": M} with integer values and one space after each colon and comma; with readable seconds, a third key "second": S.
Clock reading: {"hour": 3, "minute": 58}
